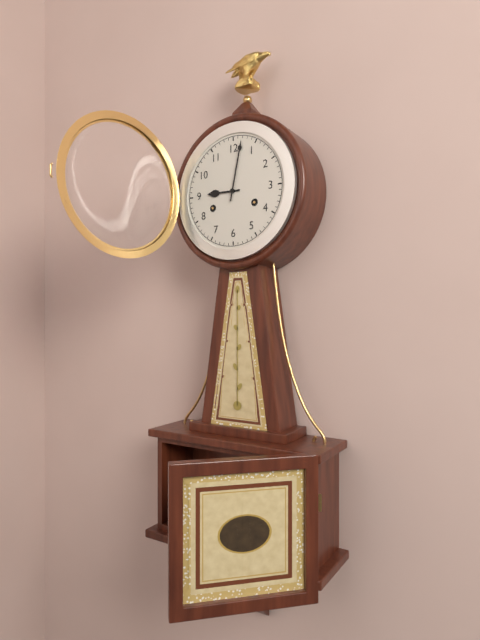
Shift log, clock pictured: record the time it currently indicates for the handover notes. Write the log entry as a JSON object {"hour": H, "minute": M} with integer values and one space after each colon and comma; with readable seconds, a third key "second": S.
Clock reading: {"hour": 9, "minute": 2}
